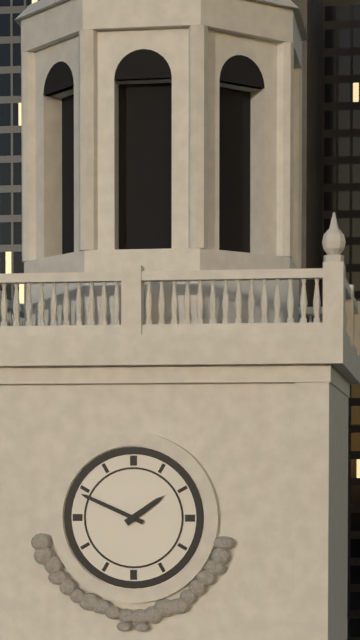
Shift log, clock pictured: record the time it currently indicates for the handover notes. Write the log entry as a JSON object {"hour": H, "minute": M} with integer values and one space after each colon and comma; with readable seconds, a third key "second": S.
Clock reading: {"hour": 1, "minute": 49}
